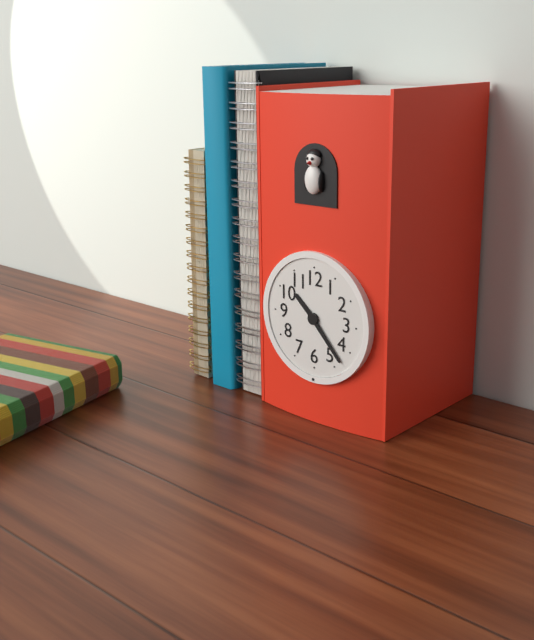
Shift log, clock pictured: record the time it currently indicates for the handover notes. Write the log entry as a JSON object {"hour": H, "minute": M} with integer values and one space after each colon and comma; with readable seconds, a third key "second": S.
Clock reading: {"hour": 10, "minute": 23}
